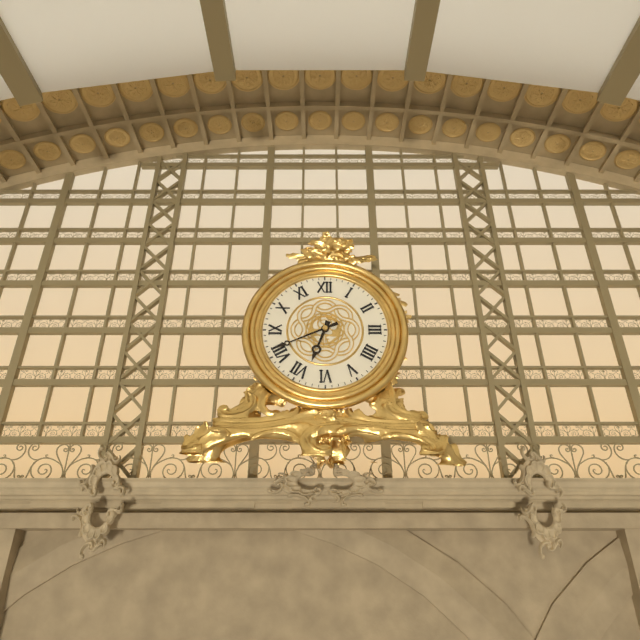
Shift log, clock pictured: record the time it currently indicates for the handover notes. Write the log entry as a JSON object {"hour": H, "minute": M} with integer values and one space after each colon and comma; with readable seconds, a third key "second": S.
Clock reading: {"hour": 6, "minute": 41}
